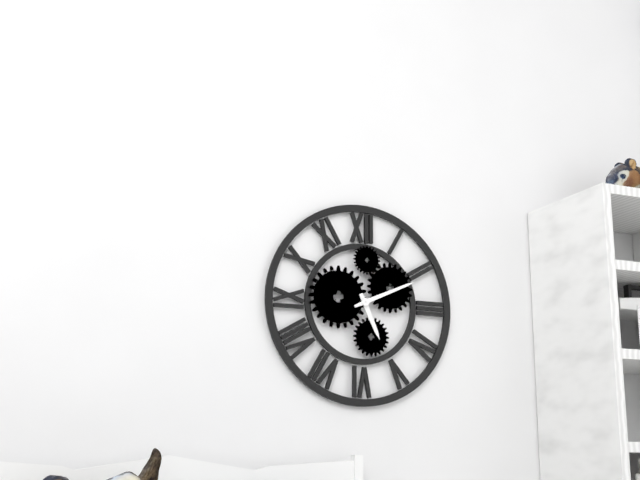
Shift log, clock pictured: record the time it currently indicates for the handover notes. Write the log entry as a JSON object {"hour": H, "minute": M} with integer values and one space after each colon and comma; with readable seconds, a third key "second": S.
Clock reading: {"hour": 5, "minute": 11}
